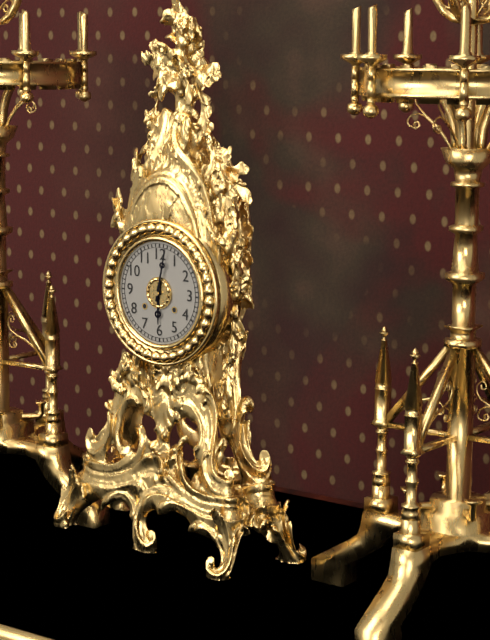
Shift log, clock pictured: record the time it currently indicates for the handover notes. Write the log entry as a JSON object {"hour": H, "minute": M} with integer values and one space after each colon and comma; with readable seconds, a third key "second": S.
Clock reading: {"hour": 6, "minute": 2}
